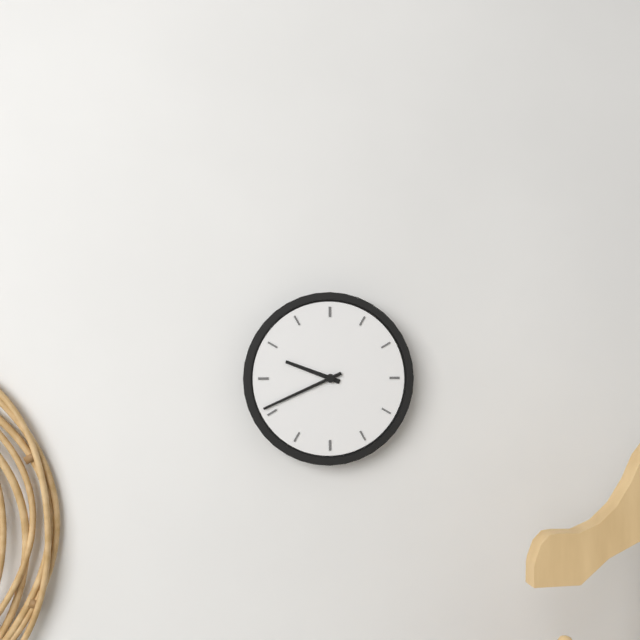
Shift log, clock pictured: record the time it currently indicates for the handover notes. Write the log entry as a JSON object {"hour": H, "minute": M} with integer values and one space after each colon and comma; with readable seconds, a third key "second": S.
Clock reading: {"hour": 9, "minute": 41}
